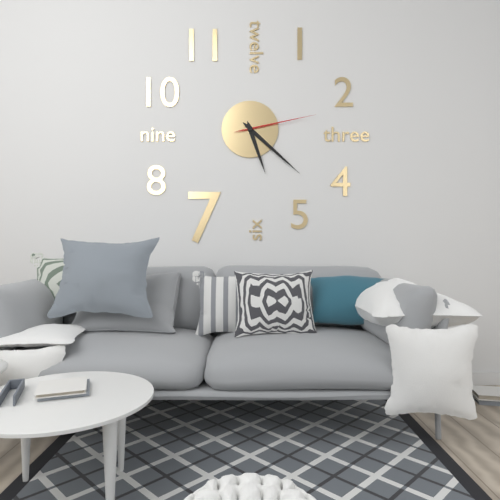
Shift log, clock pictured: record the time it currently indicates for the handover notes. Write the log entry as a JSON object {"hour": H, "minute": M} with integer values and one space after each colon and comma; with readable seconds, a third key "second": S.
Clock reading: {"hour": 5, "minute": 22, "second": 13}
